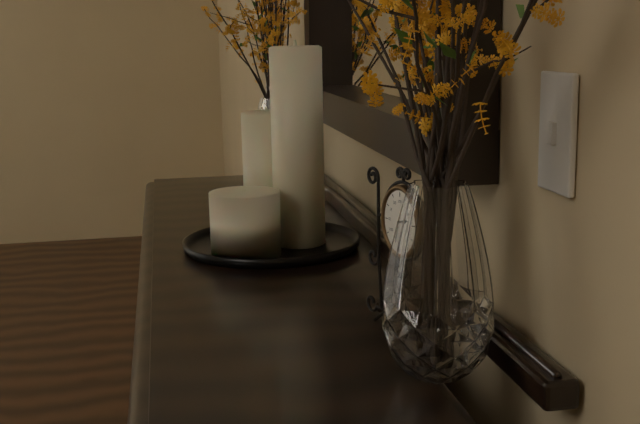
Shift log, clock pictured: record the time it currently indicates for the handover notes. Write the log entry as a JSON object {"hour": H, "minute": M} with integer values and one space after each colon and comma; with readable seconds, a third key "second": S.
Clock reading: {"hour": 2, "minute": 32}
